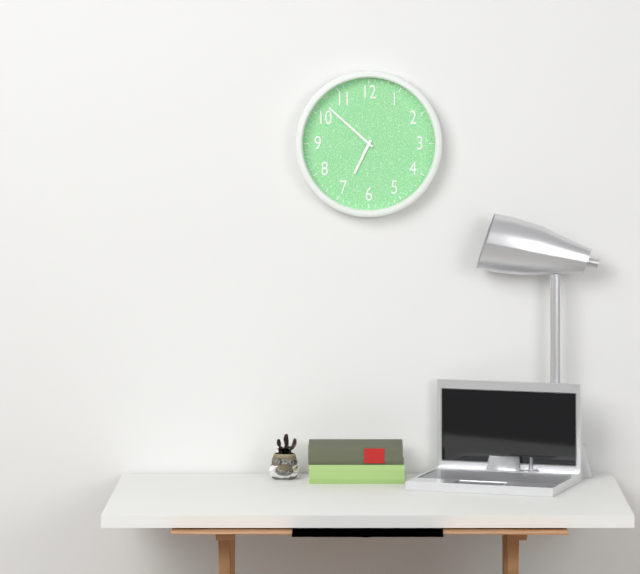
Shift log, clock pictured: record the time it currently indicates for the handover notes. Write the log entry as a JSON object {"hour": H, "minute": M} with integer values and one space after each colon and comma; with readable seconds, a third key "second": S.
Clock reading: {"hour": 6, "minute": 52}
